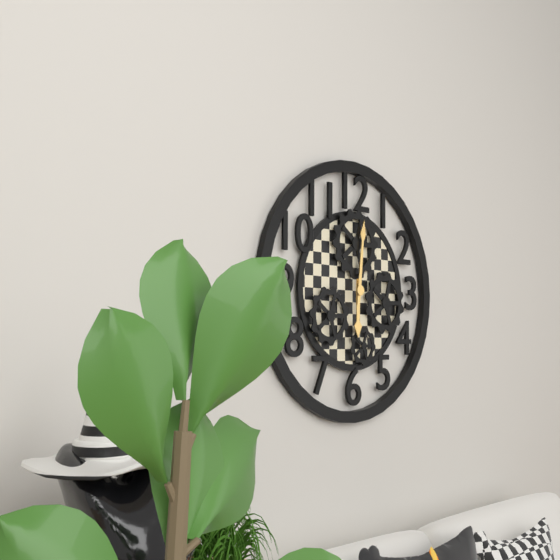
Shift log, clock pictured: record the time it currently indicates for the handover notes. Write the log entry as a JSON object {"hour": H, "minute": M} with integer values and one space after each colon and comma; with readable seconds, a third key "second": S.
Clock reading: {"hour": 6, "minute": 1}
